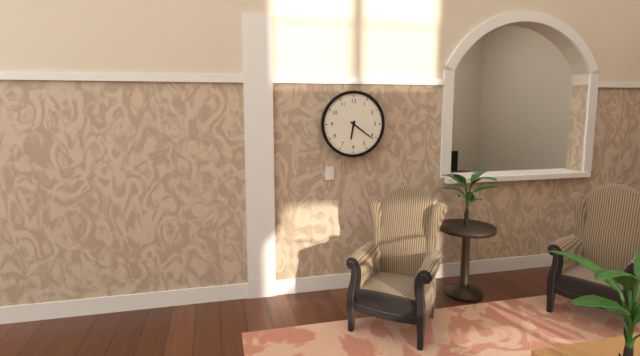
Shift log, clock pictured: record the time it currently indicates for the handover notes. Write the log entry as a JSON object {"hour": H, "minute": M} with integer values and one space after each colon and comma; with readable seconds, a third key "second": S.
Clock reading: {"hour": 6, "minute": 21}
